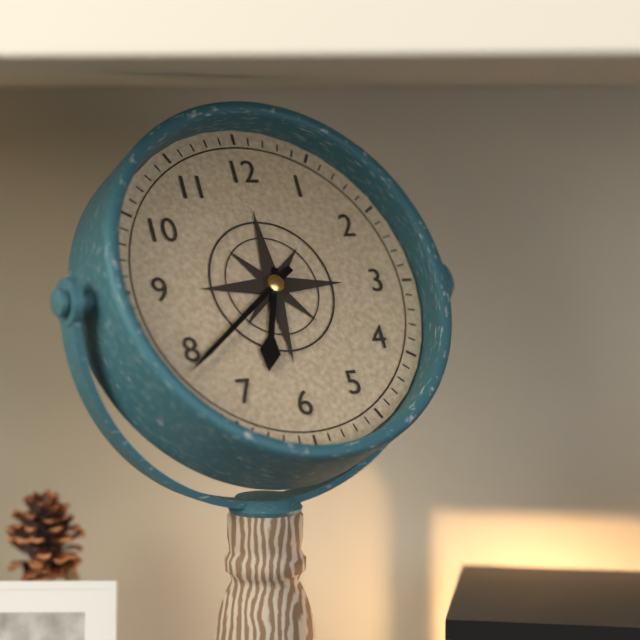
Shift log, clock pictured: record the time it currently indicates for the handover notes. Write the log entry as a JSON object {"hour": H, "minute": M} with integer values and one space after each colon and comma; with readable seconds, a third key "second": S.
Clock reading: {"hour": 6, "minute": 39}
